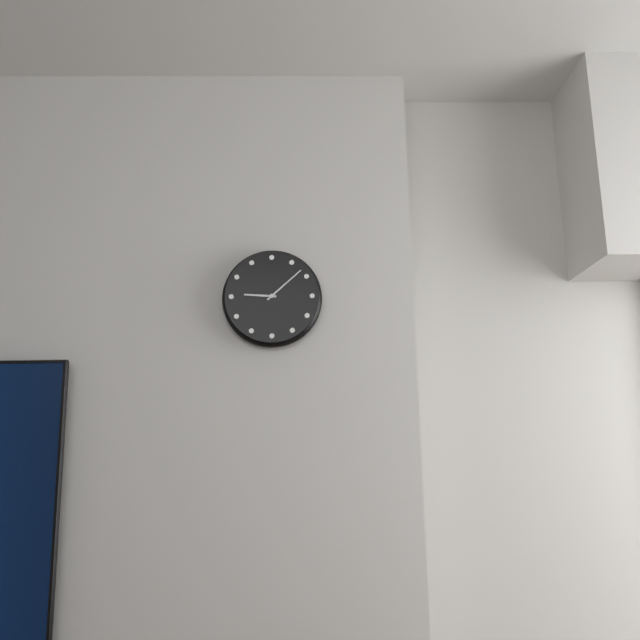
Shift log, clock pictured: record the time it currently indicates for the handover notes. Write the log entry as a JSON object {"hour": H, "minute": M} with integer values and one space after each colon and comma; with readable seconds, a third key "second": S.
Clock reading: {"hour": 9, "minute": 8}
